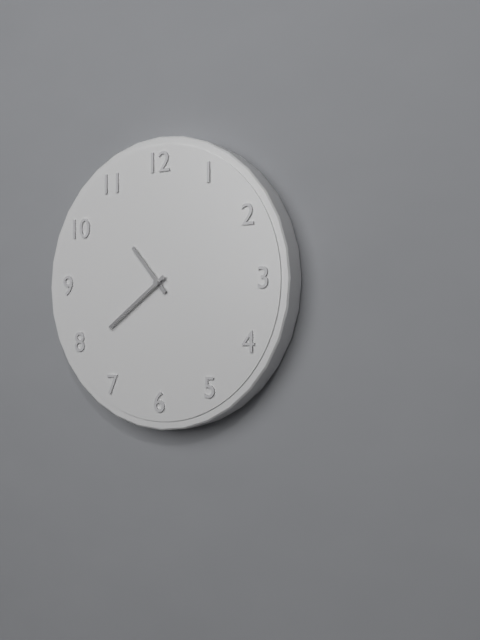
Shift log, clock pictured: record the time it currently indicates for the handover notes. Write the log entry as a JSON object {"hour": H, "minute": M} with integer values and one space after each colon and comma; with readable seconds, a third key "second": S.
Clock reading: {"hour": 10, "minute": 39}
